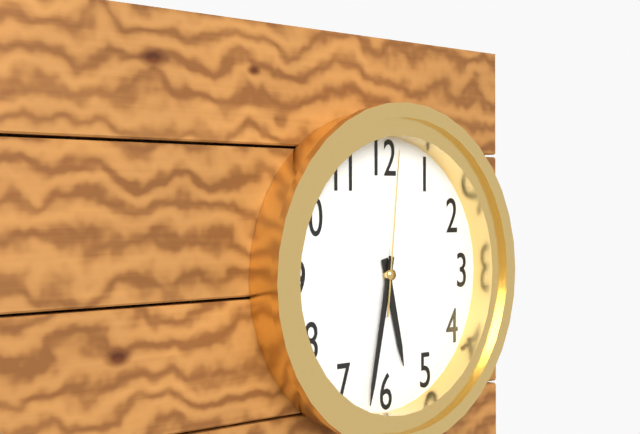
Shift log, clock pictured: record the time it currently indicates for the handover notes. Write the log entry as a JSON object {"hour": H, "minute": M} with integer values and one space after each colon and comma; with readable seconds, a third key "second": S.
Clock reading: {"hour": 5, "minute": 32, "second": 1}
